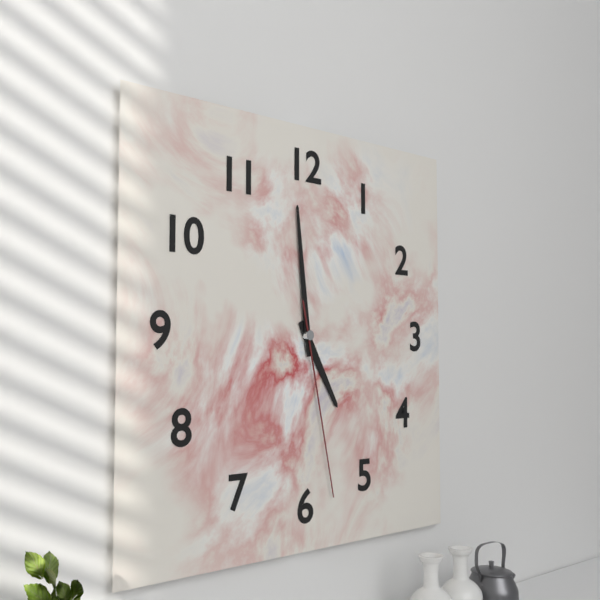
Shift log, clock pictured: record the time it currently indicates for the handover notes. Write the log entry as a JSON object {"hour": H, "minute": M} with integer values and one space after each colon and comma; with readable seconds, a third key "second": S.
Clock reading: {"hour": 4, "minute": 59, "second": 28}
